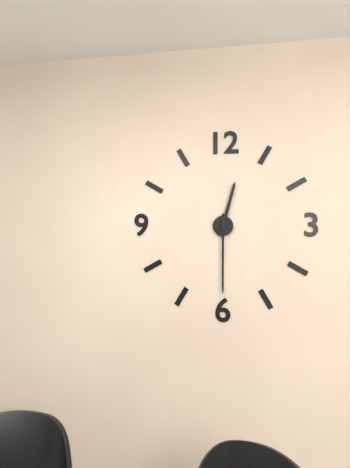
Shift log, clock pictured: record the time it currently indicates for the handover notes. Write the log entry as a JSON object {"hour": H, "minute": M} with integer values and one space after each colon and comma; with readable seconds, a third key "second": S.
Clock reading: {"hour": 12, "minute": 30}
